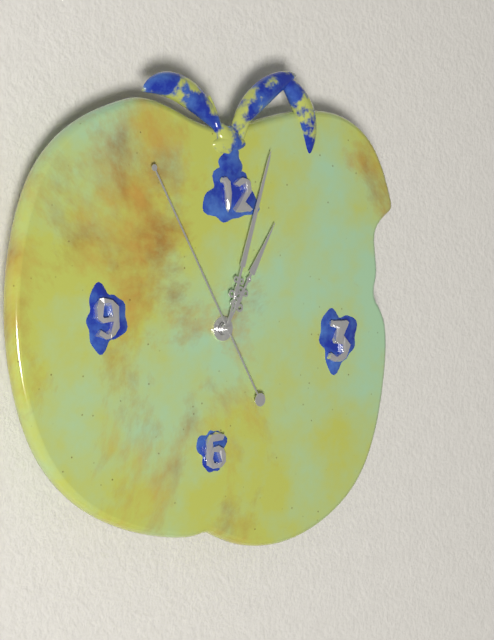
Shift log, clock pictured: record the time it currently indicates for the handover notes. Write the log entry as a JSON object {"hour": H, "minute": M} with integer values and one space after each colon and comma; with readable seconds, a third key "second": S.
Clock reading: {"hour": 1, "minute": 3, "second": 55}
